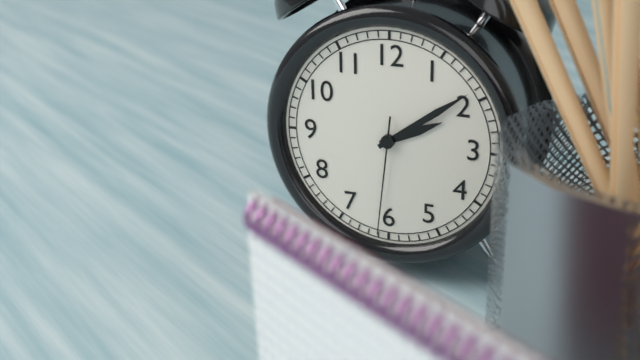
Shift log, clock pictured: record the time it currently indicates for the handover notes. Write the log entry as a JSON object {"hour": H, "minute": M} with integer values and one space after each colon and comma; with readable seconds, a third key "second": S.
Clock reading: {"hour": 2, "minute": 9, "second": 31}
